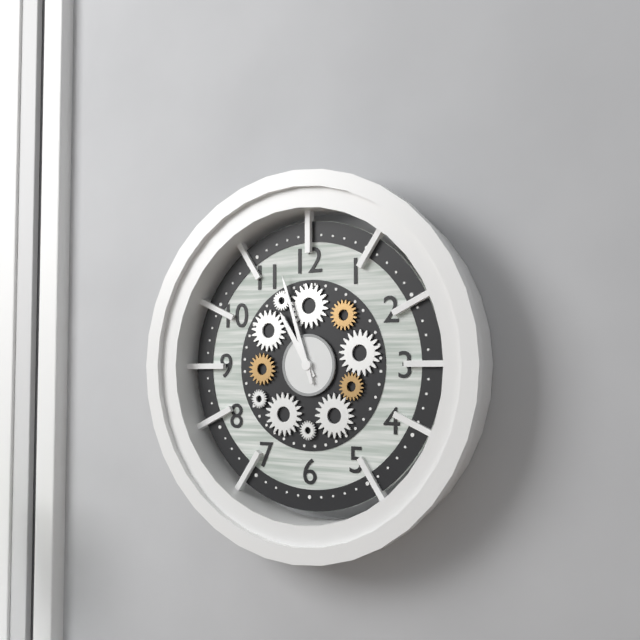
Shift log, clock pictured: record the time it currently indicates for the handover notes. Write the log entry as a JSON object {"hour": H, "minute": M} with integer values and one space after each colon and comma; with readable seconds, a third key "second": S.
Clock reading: {"hour": 10, "minute": 57}
